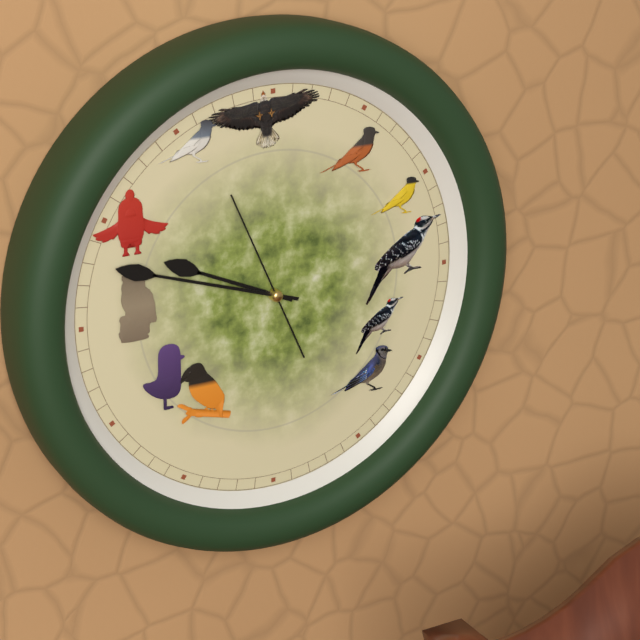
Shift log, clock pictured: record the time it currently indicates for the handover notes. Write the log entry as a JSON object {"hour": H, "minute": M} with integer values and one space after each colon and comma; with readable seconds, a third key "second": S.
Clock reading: {"hour": 9, "minute": 48, "second": 56}
